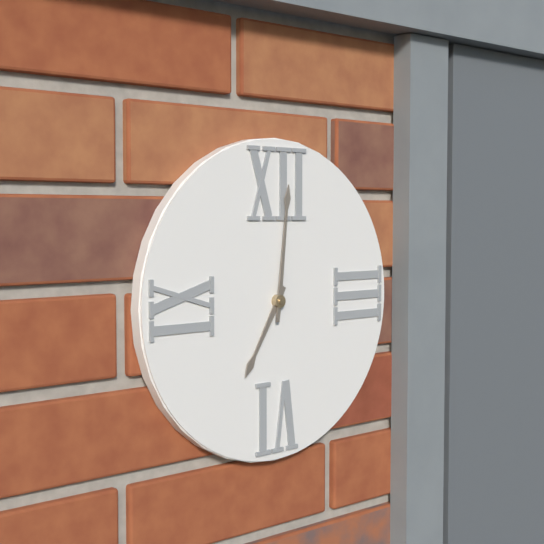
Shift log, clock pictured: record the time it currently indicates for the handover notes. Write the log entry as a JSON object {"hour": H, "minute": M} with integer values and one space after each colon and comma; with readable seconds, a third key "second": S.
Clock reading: {"hour": 7, "minute": 1}
